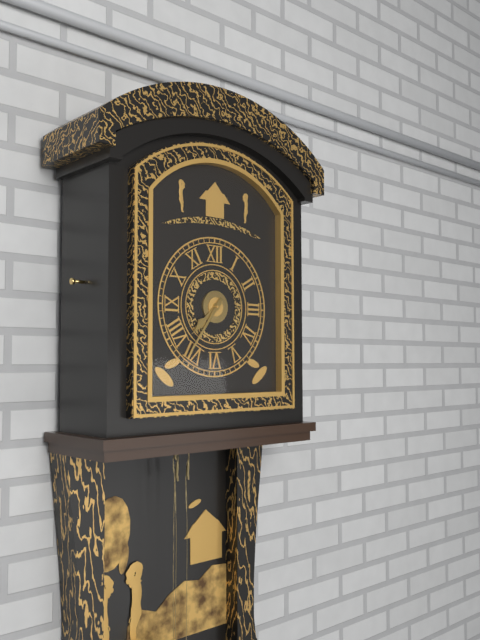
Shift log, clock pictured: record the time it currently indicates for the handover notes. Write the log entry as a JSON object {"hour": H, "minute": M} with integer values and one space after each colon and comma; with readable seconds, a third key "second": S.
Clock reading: {"hour": 7, "minute": 36}
